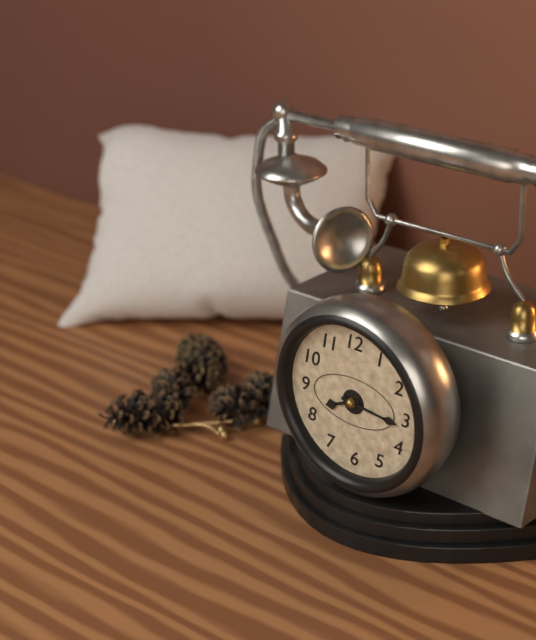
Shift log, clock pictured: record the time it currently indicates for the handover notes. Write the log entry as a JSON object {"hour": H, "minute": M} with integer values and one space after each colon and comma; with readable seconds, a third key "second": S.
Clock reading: {"hour": 8, "minute": 16}
